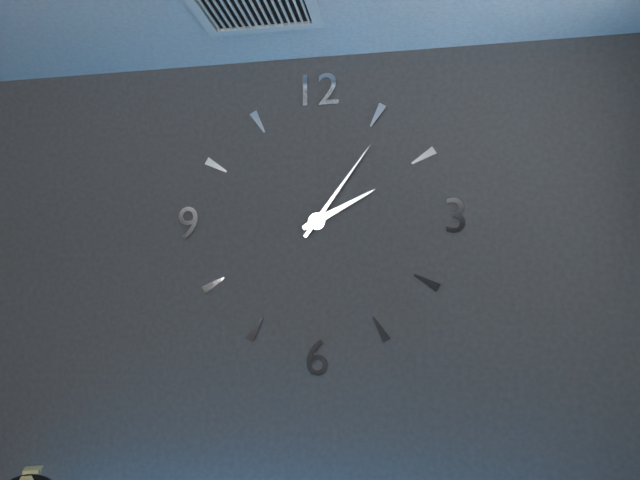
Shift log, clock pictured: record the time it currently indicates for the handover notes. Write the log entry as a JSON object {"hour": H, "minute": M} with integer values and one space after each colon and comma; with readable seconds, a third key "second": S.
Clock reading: {"hour": 2, "minute": 6}
